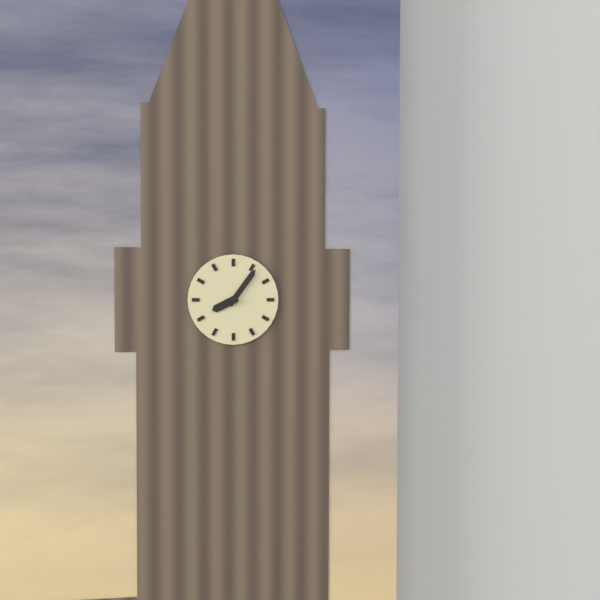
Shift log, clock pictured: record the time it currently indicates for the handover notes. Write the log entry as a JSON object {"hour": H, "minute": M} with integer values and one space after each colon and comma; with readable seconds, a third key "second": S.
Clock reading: {"hour": 8, "minute": 6}
